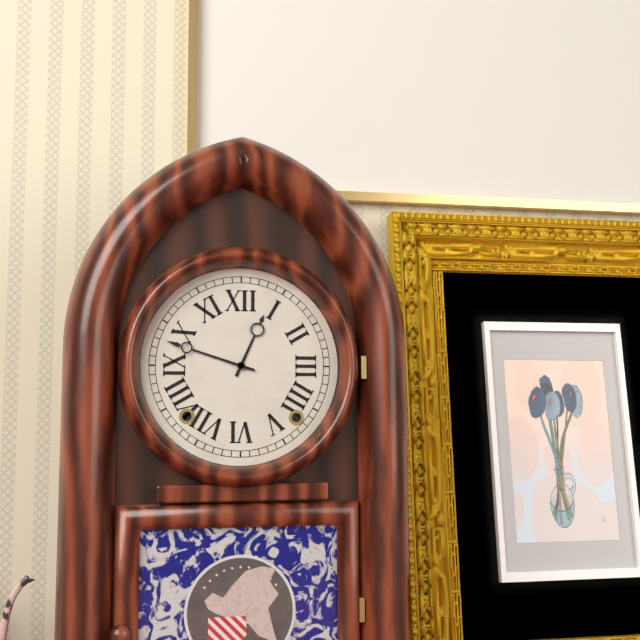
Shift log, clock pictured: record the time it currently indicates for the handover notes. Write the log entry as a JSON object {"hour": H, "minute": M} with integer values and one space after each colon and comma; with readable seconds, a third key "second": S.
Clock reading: {"hour": 12, "minute": 48}
